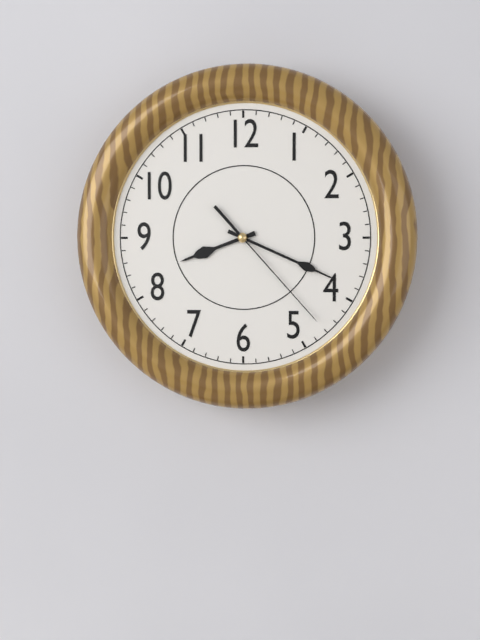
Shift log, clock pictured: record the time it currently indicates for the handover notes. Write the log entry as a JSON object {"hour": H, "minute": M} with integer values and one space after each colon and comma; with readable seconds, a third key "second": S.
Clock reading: {"hour": 8, "minute": 19, "second": 23}
